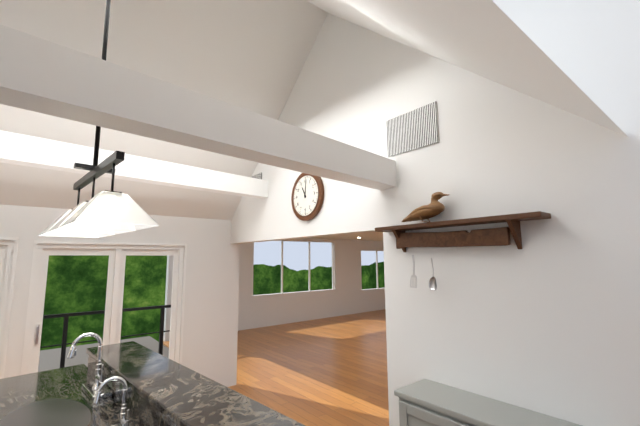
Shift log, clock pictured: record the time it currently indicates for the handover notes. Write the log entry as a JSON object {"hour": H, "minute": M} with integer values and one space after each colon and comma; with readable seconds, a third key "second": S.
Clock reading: {"hour": 11, "minute": 1}
